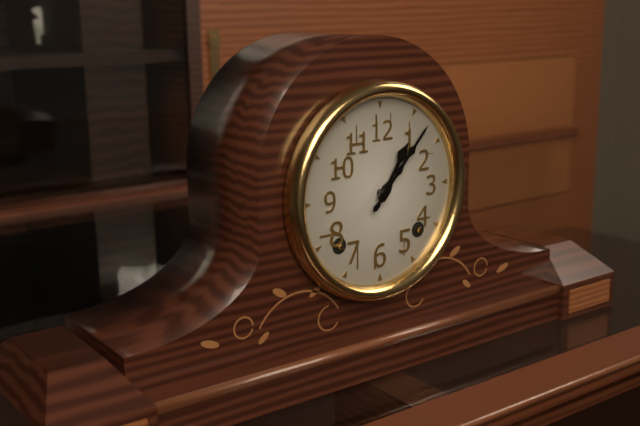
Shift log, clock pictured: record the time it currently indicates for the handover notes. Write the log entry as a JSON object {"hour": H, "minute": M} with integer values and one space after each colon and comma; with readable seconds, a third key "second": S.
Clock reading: {"hour": 1, "minute": 7}
